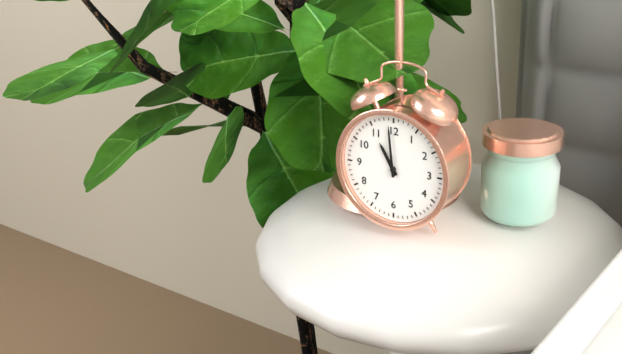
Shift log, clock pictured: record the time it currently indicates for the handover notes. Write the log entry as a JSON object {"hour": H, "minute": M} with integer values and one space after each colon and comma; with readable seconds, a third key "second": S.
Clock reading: {"hour": 10, "minute": 59}
